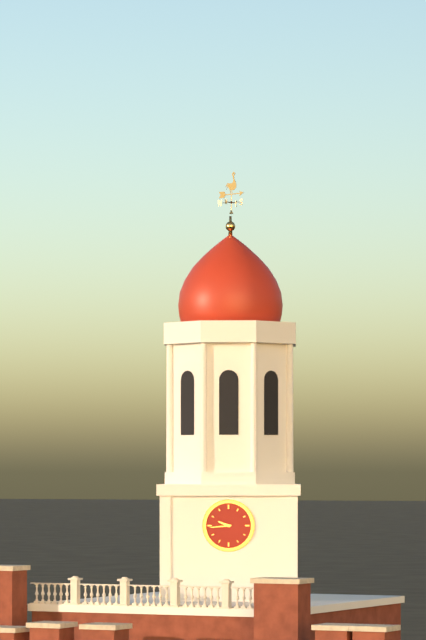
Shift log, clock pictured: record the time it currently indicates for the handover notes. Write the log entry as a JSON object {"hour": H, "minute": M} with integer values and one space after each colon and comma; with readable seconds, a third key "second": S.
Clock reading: {"hour": 9, "minute": 44}
